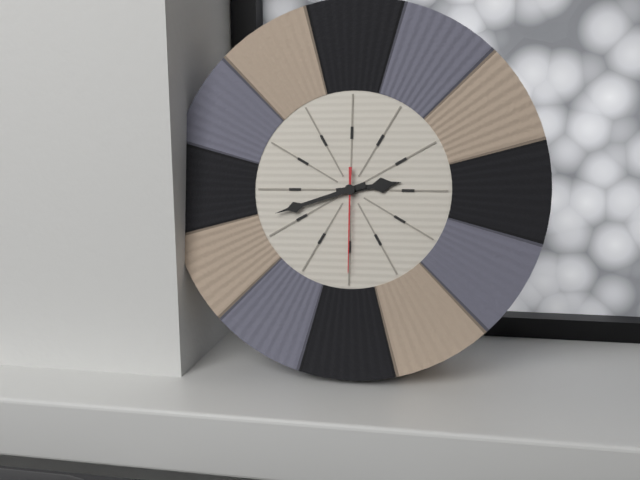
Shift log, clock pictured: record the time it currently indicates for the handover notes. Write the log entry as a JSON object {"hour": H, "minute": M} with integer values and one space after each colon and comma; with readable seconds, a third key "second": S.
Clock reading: {"hour": 2, "minute": 42, "second": 30}
